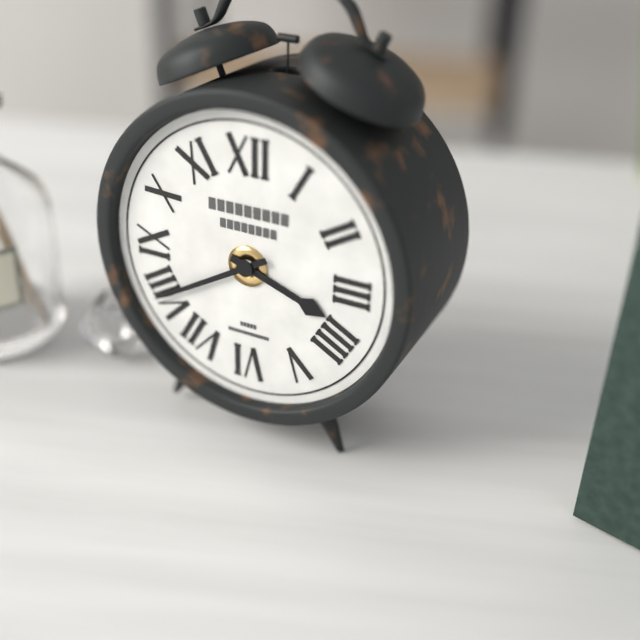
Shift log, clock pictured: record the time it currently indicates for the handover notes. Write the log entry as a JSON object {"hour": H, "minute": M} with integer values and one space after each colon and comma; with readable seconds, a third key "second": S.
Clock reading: {"hour": 3, "minute": 40}
